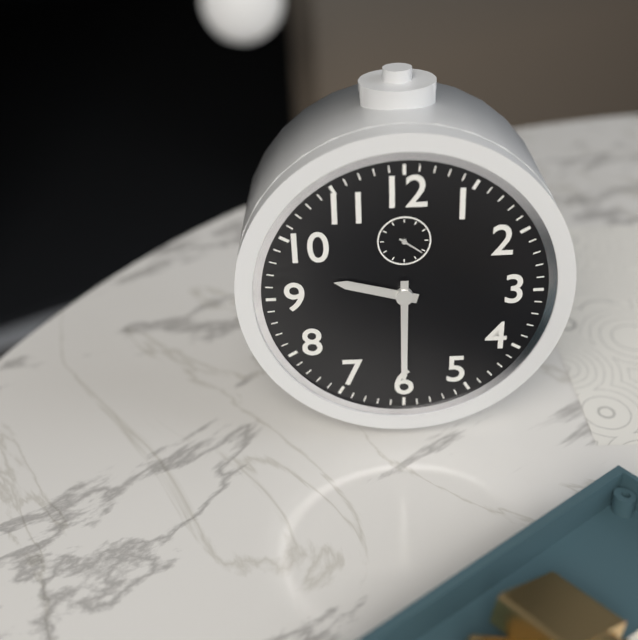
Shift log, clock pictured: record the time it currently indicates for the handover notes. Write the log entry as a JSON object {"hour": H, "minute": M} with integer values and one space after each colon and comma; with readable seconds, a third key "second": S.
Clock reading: {"hour": 9, "minute": 30}
